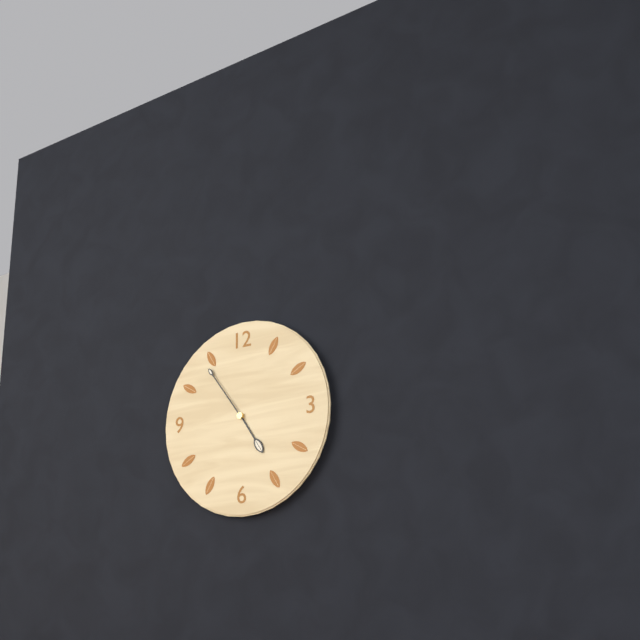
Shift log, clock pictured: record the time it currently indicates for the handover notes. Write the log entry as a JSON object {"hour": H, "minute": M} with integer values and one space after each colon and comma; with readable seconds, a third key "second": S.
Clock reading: {"hour": 4, "minute": 54}
